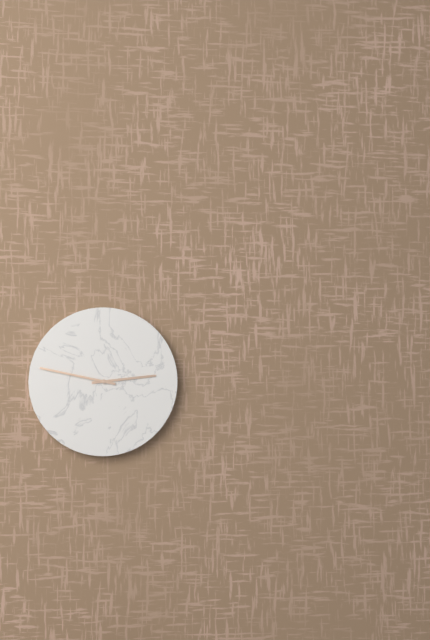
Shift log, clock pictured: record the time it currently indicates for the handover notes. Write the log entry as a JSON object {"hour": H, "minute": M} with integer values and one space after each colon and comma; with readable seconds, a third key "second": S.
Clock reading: {"hour": 2, "minute": 47}
